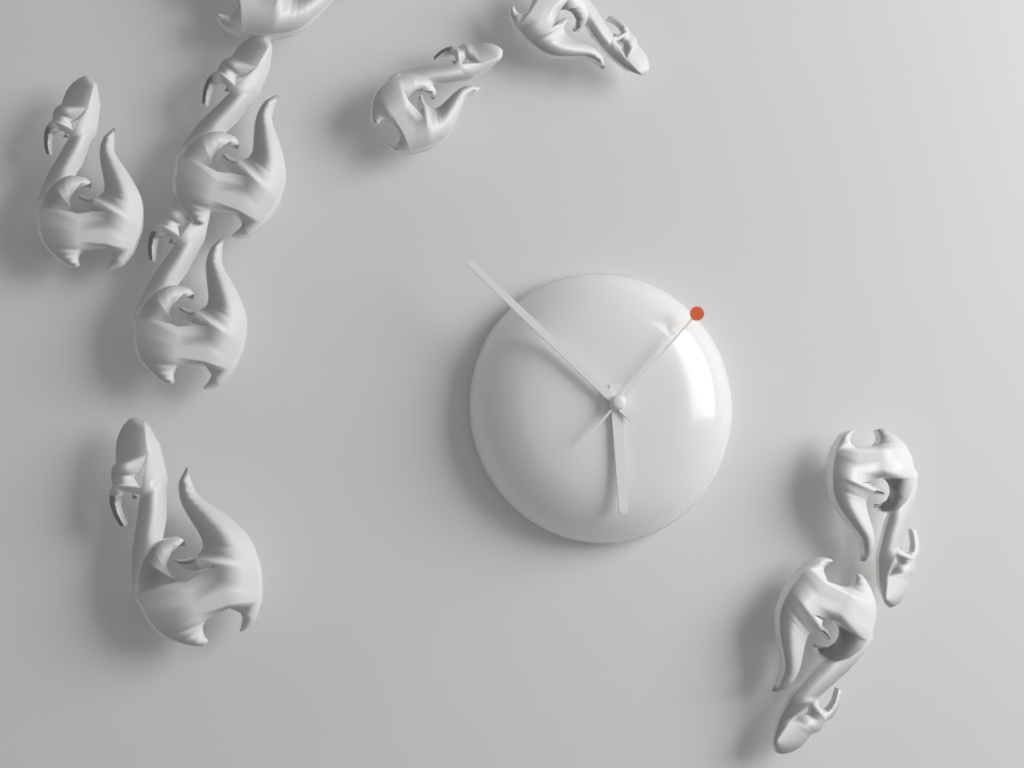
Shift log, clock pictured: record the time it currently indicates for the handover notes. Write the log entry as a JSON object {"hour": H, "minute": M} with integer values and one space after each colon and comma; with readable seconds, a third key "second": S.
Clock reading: {"hour": 5, "minute": 52, "second": 7}
